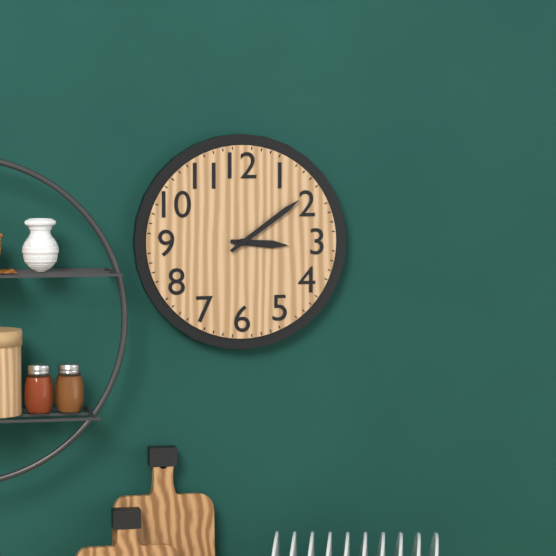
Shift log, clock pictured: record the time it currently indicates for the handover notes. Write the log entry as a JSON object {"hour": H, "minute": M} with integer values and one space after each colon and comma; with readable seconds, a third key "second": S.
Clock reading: {"hour": 3, "minute": 9}
